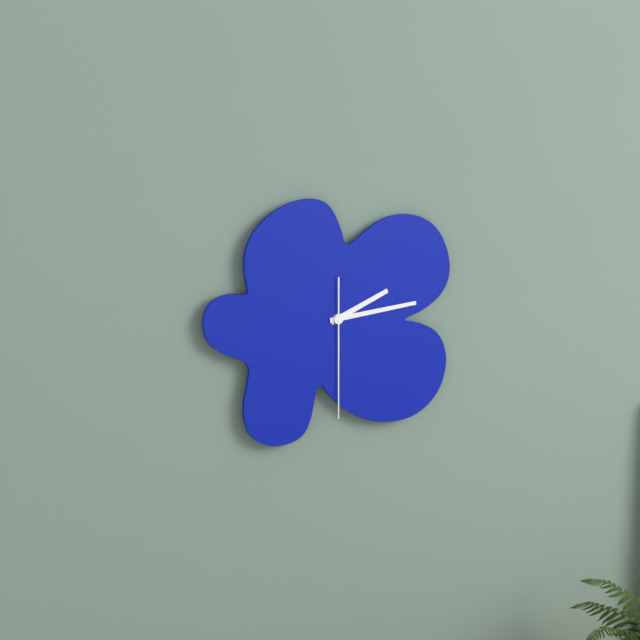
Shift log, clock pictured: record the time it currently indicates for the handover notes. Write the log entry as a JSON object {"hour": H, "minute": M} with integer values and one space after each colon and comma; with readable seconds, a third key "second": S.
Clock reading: {"hour": 2, "minute": 14, "second": 30}
